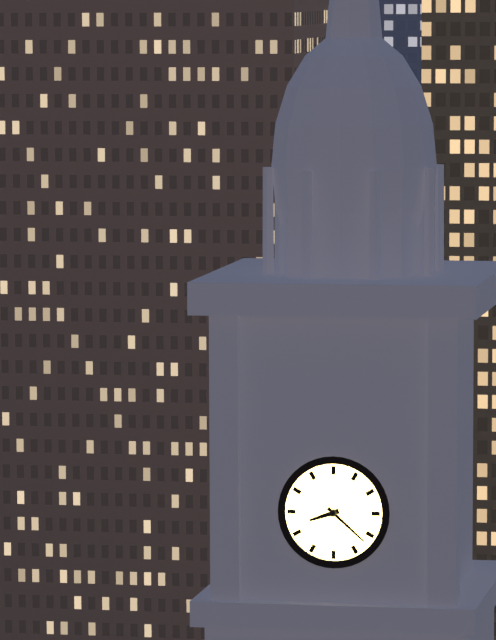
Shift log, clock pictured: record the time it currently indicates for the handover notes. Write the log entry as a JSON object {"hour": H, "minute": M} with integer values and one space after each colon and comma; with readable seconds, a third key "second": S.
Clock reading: {"hour": 8, "minute": 22}
